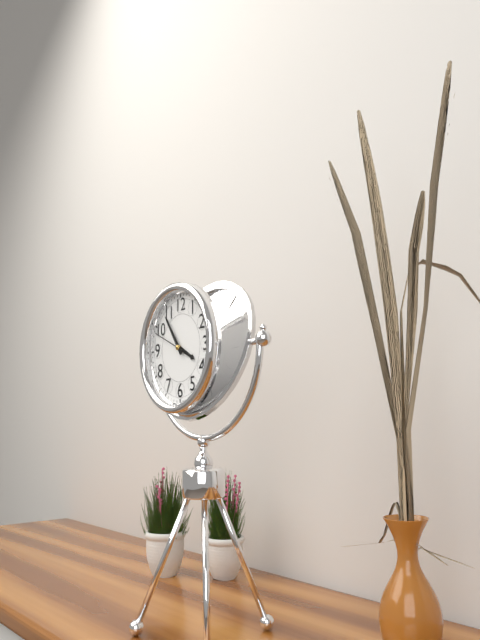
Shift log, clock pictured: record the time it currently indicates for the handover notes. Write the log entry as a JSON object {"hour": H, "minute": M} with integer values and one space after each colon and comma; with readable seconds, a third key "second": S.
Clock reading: {"hour": 3, "minute": 54}
